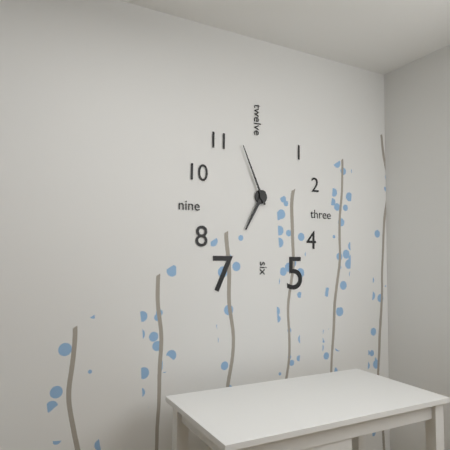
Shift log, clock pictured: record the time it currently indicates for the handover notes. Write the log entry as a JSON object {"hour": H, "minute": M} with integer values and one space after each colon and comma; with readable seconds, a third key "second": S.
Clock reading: {"hour": 6, "minute": 56}
